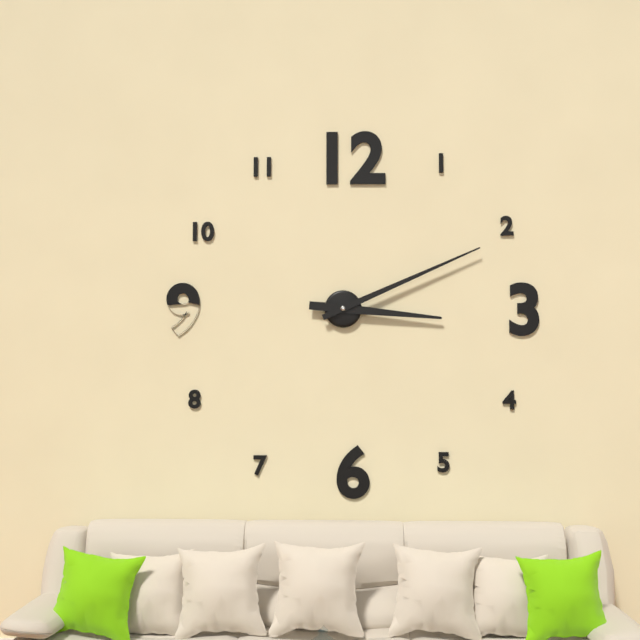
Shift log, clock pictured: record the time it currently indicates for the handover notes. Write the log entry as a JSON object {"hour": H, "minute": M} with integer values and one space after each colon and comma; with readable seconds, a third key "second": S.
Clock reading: {"hour": 3, "minute": 11}
